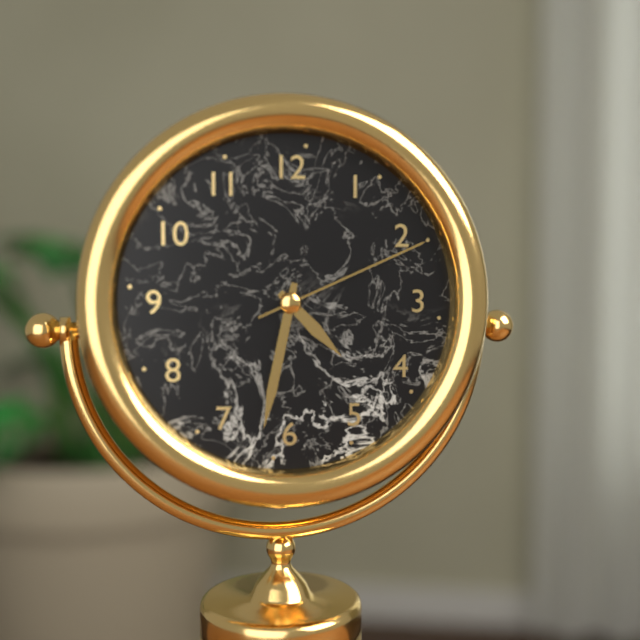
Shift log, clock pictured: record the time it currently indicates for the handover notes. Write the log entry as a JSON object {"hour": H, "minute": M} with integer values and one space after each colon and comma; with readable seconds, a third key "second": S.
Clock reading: {"hour": 4, "minute": 32, "second": 11}
